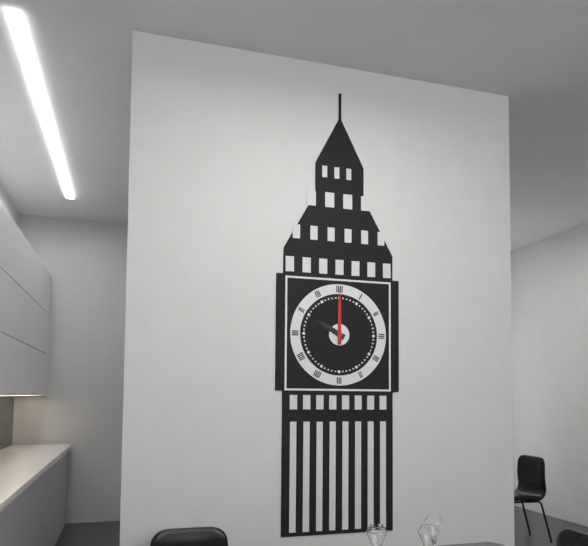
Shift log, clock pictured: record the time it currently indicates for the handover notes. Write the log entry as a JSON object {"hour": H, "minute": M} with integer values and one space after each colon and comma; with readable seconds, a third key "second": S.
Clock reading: {"hour": 10, "minute": 0}
